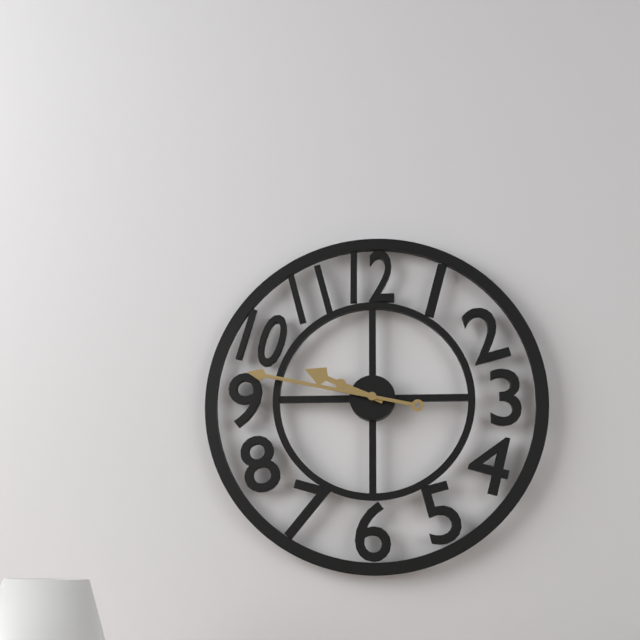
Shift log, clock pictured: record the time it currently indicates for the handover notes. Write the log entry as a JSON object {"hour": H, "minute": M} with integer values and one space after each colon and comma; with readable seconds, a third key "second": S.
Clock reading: {"hour": 9, "minute": 47}
